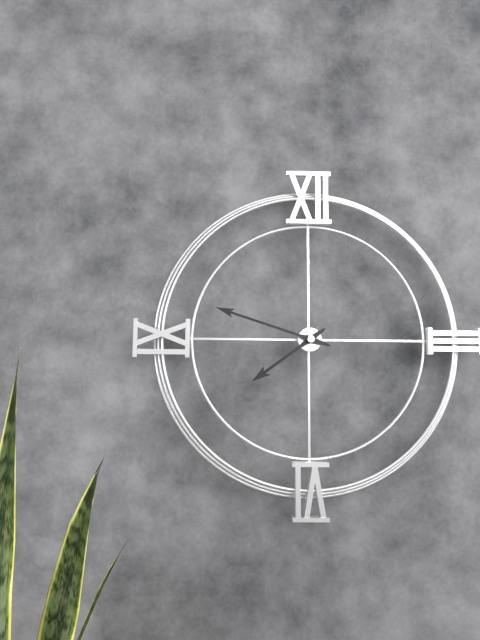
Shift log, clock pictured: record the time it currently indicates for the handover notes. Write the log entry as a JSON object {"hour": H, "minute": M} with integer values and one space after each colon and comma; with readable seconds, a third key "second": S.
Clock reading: {"hour": 7, "minute": 48}
